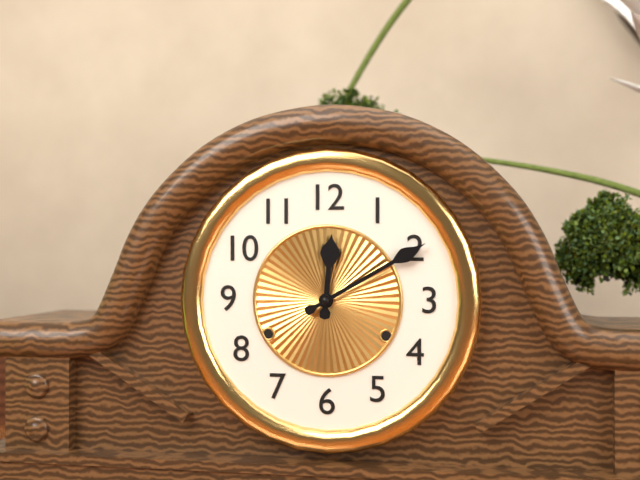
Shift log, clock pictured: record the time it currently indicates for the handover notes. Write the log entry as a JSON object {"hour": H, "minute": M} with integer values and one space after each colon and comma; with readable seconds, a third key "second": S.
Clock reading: {"hour": 12, "minute": 10}
